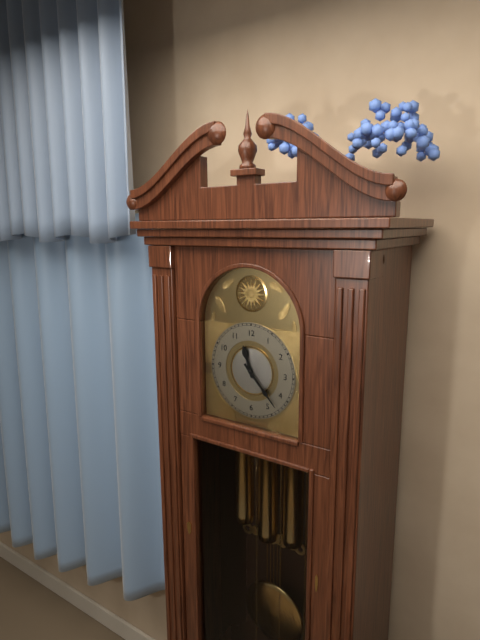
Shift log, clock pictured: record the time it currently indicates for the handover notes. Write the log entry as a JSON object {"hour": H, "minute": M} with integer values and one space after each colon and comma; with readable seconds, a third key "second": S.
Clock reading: {"hour": 11, "minute": 23}
